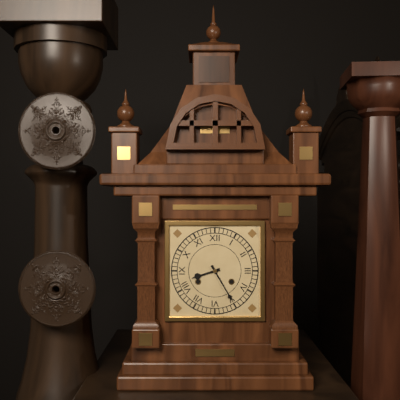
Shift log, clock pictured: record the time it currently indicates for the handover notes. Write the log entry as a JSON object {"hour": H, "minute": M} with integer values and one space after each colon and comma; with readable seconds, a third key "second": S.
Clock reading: {"hour": 8, "minute": 25}
